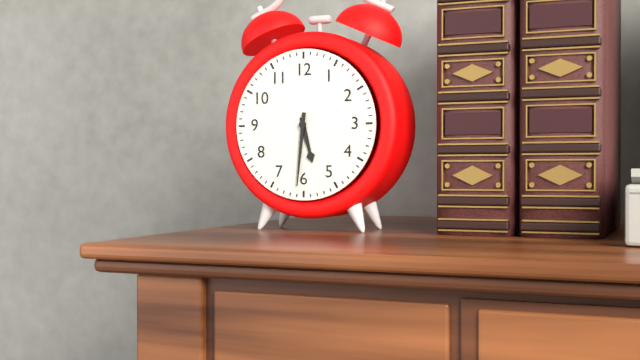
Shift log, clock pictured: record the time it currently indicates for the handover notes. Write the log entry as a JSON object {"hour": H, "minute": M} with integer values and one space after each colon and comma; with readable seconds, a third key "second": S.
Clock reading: {"hour": 5, "minute": 31}
